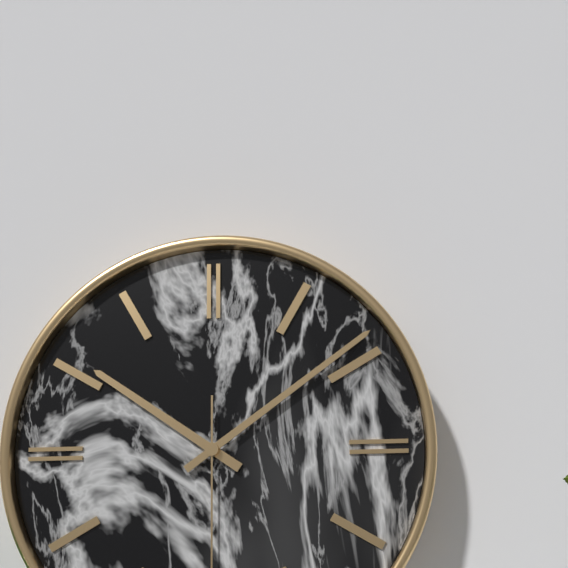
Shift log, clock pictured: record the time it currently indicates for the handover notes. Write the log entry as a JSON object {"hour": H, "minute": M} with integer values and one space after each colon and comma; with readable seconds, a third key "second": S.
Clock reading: {"hour": 10, "minute": 9}
